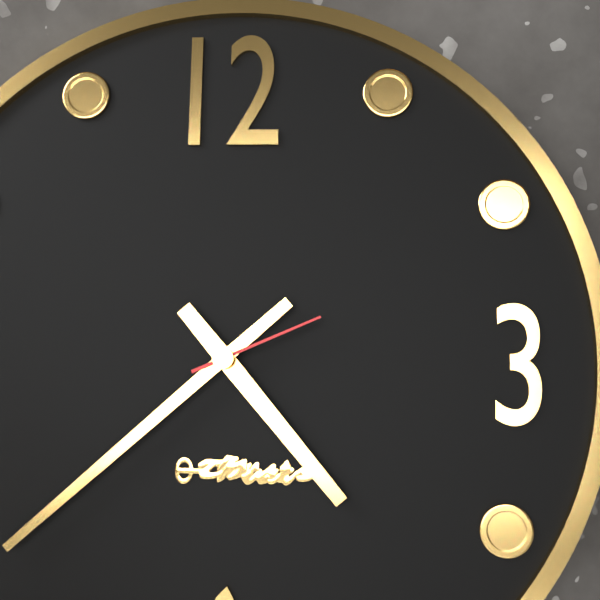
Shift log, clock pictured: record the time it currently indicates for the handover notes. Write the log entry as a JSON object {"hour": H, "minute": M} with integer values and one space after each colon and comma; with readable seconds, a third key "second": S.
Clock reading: {"hour": 4, "minute": 38, "second": 11}
